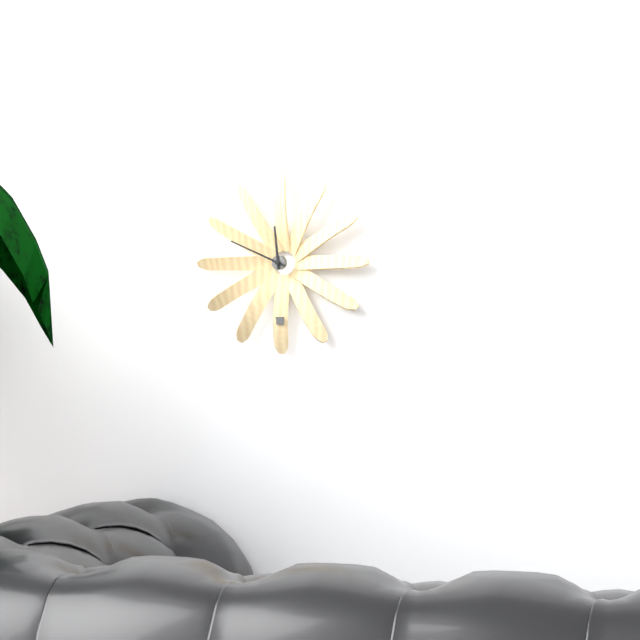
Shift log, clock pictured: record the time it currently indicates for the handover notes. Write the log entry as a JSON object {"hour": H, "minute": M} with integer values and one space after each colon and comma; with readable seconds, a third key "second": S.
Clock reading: {"hour": 11, "minute": 49}
